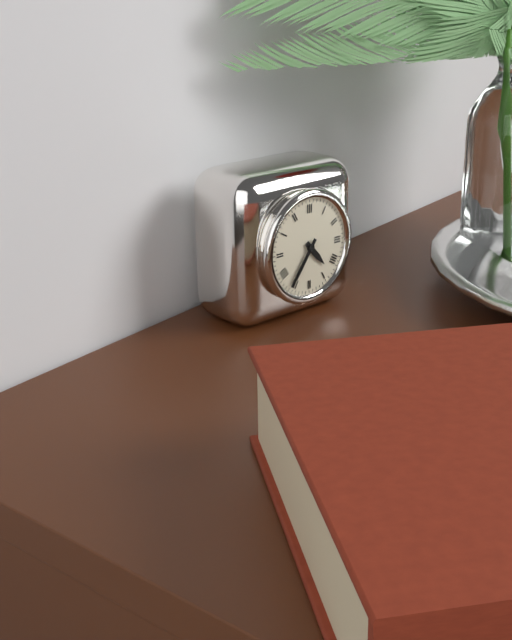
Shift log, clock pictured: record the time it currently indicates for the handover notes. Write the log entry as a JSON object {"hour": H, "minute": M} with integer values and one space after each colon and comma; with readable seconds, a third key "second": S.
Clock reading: {"hour": 4, "minute": 36}
